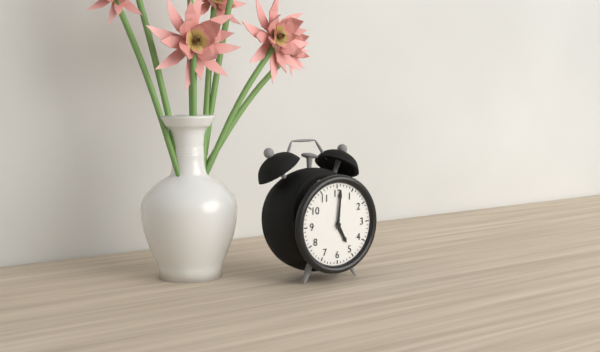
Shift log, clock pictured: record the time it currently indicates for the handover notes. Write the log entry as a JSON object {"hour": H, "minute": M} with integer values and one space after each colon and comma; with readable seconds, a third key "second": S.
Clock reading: {"hour": 5, "minute": 1}
